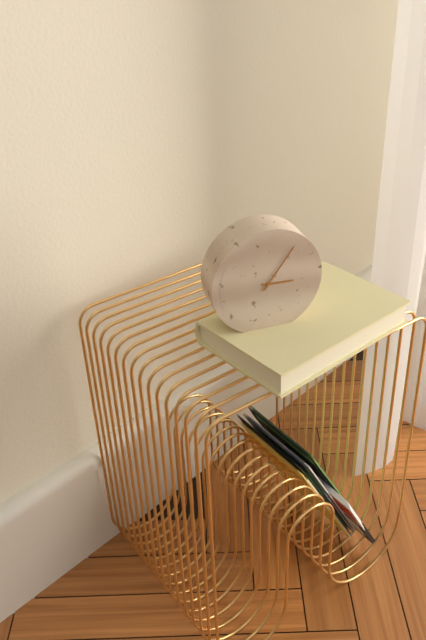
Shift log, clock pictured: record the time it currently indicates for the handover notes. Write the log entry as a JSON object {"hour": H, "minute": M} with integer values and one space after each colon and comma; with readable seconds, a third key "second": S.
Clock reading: {"hour": 3, "minute": 6}
